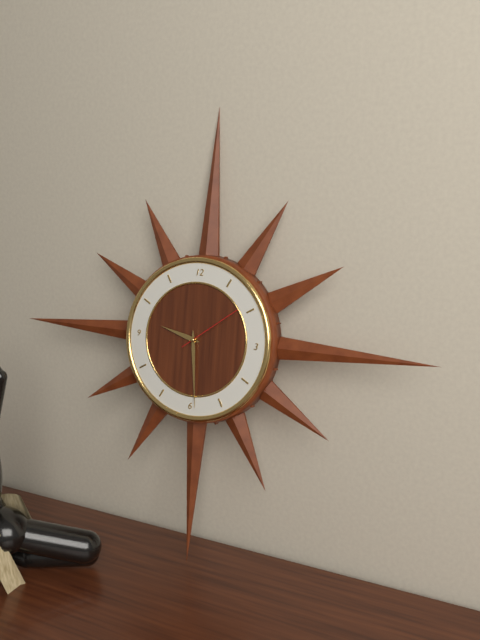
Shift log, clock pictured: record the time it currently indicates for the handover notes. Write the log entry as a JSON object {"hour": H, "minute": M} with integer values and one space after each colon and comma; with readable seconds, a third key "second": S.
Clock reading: {"hour": 9, "minute": 29, "second": 9}
